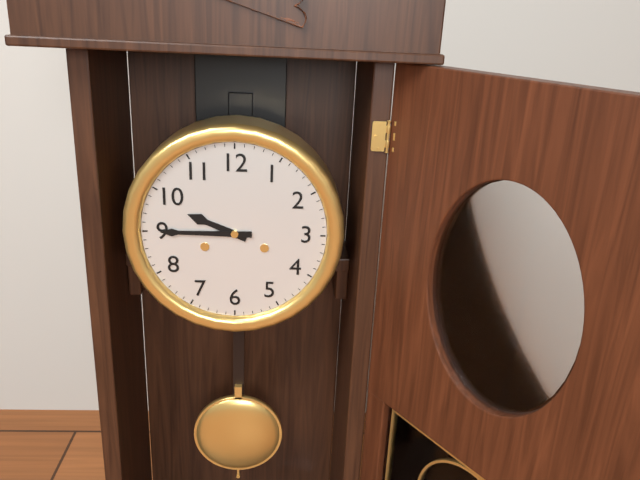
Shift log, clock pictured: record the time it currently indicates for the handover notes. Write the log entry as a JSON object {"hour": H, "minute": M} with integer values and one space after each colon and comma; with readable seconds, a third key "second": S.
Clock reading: {"hour": 9, "minute": 45}
